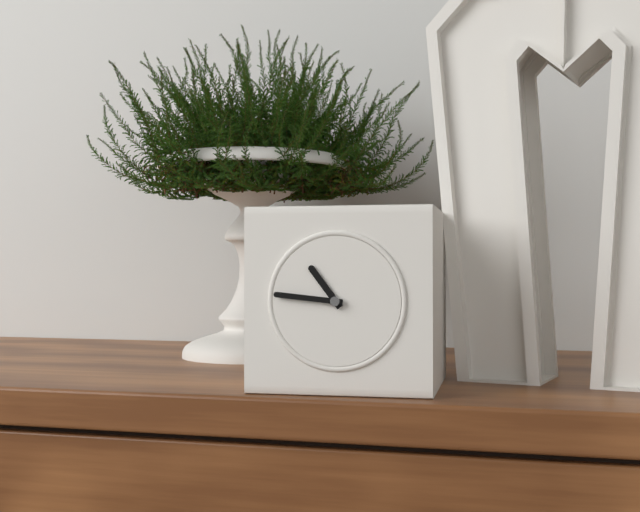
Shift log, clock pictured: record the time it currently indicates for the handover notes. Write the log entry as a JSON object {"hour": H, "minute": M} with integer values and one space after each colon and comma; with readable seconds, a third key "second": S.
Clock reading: {"hour": 10, "minute": 46}
